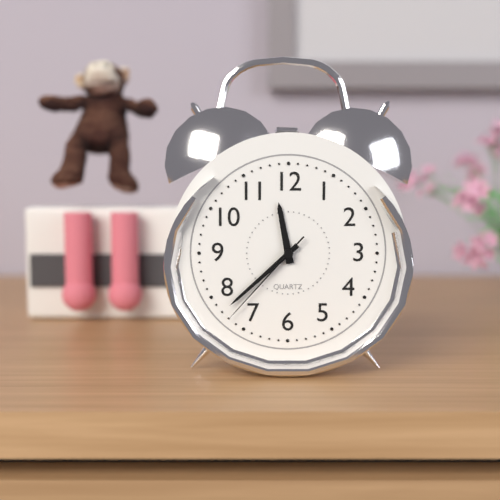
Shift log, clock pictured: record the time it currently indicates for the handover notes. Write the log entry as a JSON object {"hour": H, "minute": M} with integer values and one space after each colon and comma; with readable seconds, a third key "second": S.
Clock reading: {"hour": 11, "minute": 38, "second": 37}
